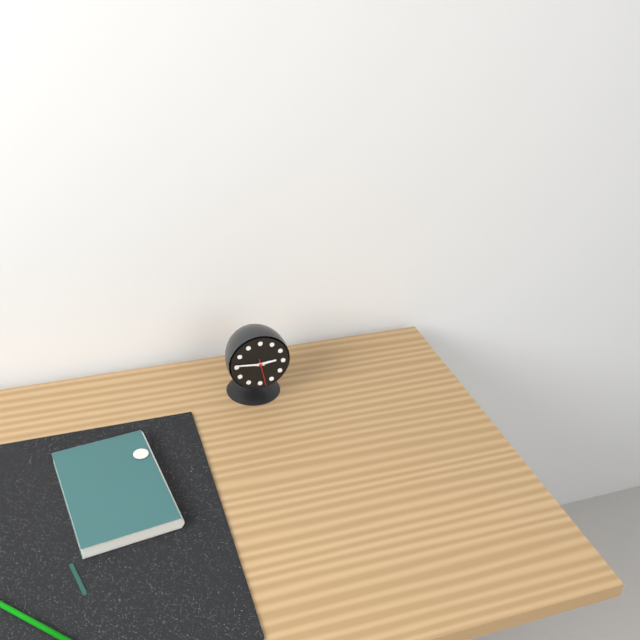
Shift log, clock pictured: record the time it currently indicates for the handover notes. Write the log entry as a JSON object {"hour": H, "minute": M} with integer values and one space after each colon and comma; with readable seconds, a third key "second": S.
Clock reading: {"hour": 2, "minute": 46}
